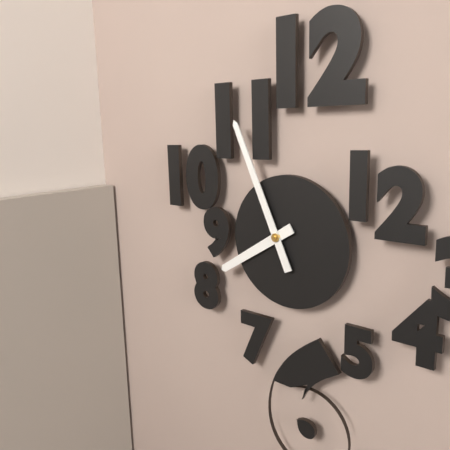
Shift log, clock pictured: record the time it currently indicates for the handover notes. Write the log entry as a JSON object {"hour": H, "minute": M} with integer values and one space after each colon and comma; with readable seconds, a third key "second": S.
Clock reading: {"hour": 7, "minute": 56}
